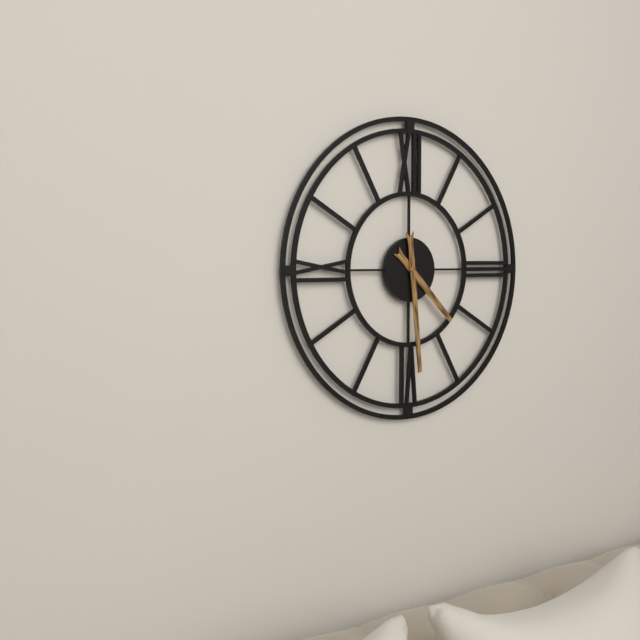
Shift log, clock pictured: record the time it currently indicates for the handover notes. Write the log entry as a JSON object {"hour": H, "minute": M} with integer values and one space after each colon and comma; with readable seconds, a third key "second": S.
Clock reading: {"hour": 4, "minute": 29}
